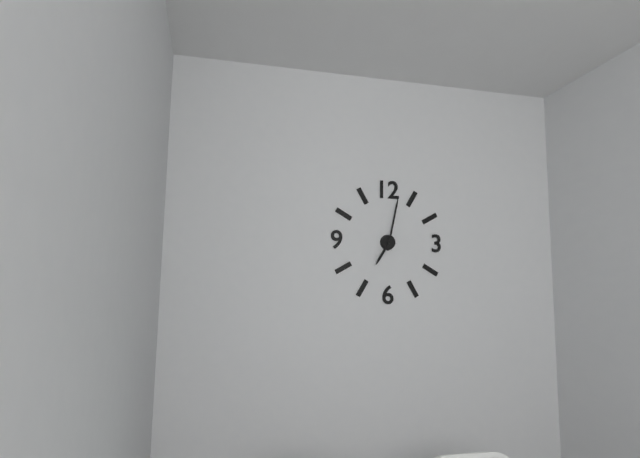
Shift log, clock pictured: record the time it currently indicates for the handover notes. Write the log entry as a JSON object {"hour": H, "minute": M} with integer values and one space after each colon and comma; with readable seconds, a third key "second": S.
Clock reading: {"hour": 7, "minute": 2}
